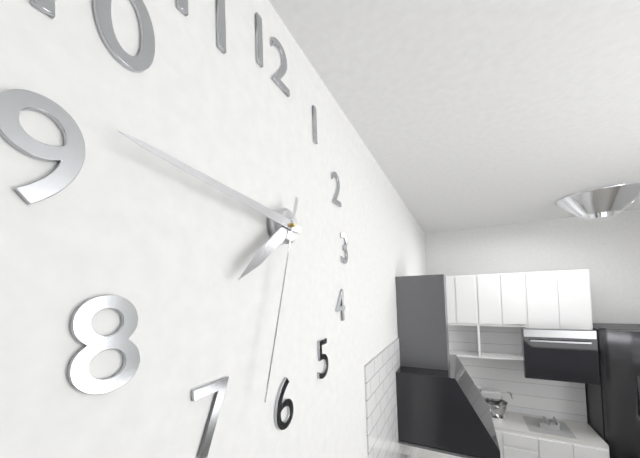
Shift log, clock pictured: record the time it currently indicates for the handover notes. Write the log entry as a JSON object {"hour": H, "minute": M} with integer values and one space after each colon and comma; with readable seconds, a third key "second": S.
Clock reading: {"hour": 7, "minute": 46, "second": 33}
